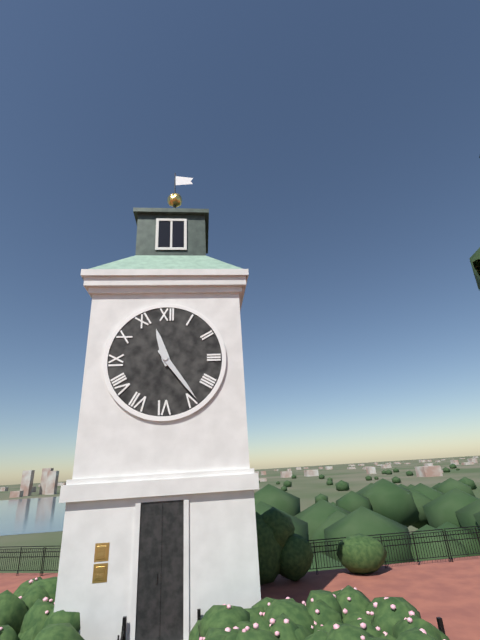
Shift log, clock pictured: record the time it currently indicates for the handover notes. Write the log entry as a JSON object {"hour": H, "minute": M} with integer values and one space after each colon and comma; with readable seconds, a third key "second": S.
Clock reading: {"hour": 11, "minute": 24}
